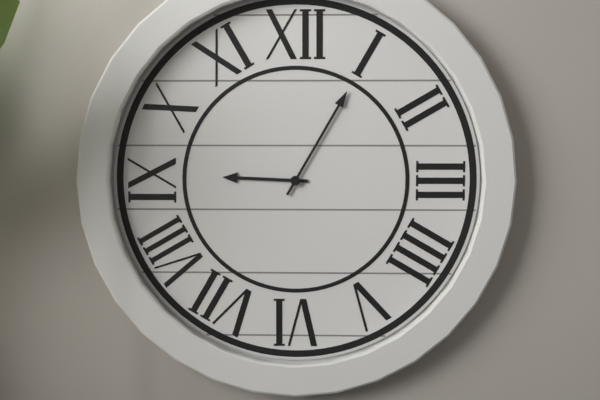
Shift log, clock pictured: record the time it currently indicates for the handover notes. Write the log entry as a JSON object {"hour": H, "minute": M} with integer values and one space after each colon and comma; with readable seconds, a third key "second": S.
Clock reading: {"hour": 9, "minute": 5}
